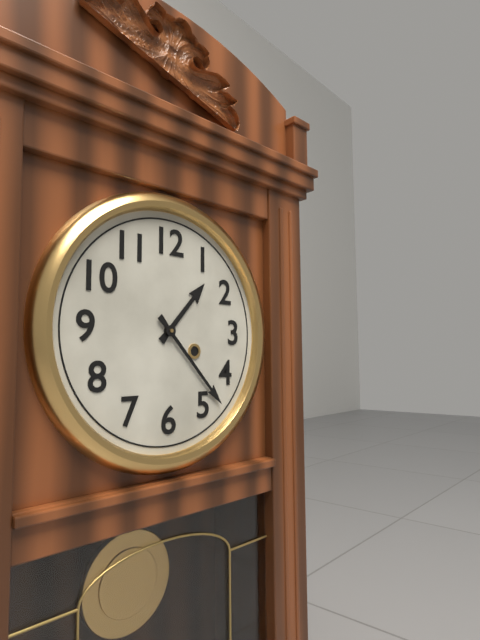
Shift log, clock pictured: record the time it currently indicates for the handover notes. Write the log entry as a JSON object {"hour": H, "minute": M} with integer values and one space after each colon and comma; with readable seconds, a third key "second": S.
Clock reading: {"hour": 1, "minute": 23}
